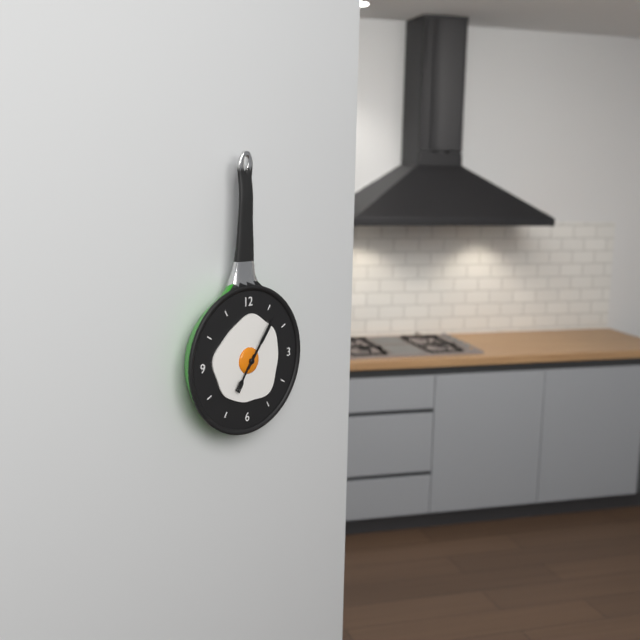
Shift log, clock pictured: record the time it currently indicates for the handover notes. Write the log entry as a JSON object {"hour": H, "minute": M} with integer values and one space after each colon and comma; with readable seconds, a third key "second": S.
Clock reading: {"hour": 7, "minute": 6}
